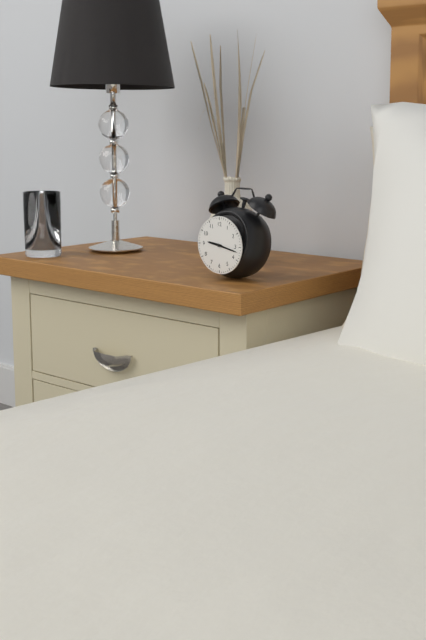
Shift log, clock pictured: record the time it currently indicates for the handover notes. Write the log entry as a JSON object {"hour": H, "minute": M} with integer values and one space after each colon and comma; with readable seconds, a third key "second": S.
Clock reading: {"hour": 9, "minute": 17}
